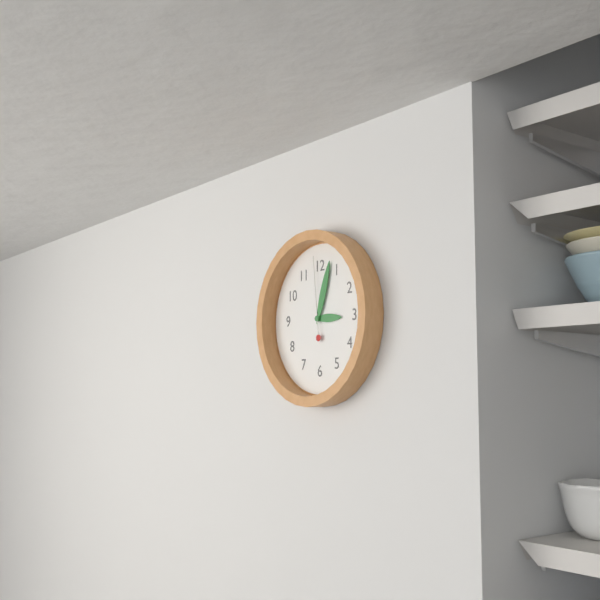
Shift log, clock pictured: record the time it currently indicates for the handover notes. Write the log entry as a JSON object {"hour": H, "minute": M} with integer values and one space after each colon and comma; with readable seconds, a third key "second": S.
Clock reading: {"hour": 3, "minute": 3, "second": 59}
